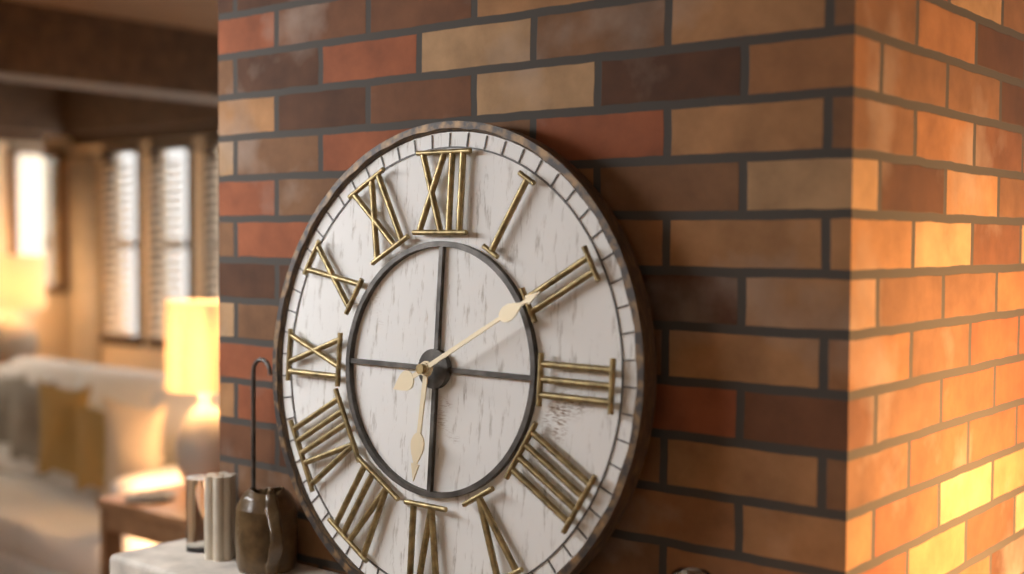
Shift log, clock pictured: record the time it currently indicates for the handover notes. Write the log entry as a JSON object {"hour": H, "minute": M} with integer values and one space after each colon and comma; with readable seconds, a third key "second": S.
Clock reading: {"hour": 6, "minute": 10}
